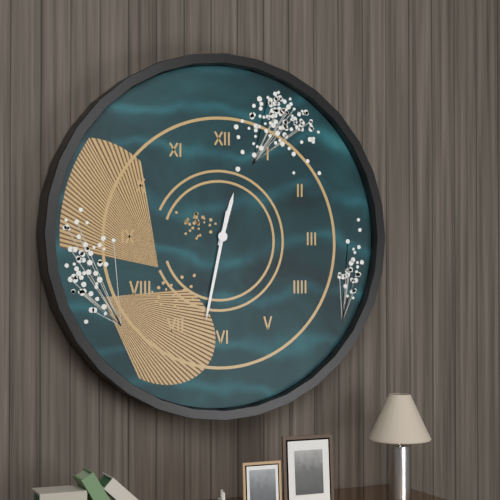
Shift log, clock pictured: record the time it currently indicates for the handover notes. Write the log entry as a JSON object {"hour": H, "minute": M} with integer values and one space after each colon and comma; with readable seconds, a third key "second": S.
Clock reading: {"hour": 12, "minute": 32}
